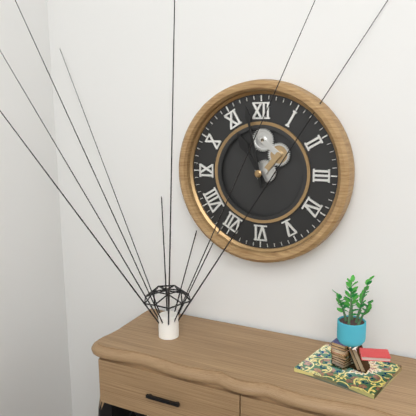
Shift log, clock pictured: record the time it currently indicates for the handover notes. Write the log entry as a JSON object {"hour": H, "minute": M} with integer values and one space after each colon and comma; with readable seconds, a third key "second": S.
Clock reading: {"hour": 10, "minute": 58}
